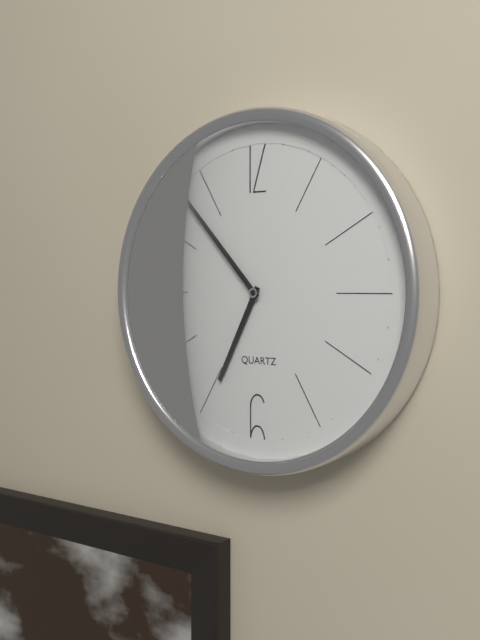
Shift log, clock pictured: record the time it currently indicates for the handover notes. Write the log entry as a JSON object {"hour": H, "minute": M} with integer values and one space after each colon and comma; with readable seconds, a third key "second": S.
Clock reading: {"hour": 6, "minute": 53}
